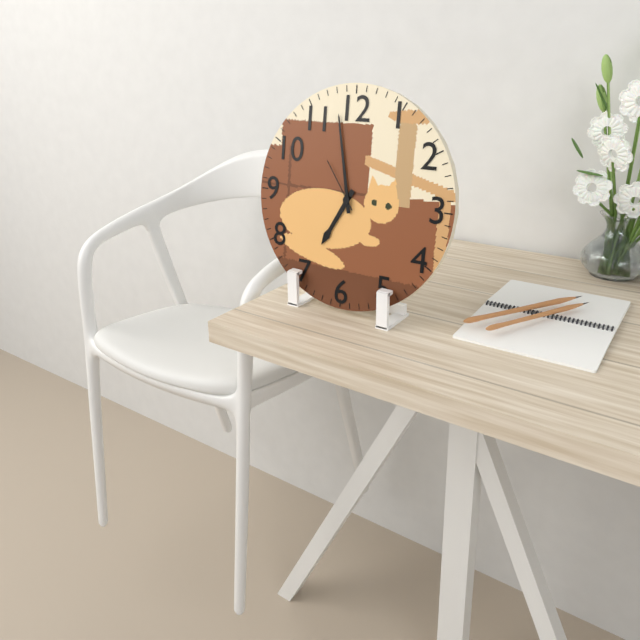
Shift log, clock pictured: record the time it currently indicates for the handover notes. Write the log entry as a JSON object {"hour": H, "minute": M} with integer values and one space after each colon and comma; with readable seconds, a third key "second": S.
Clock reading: {"hour": 6, "minute": 58, "second": 54}
